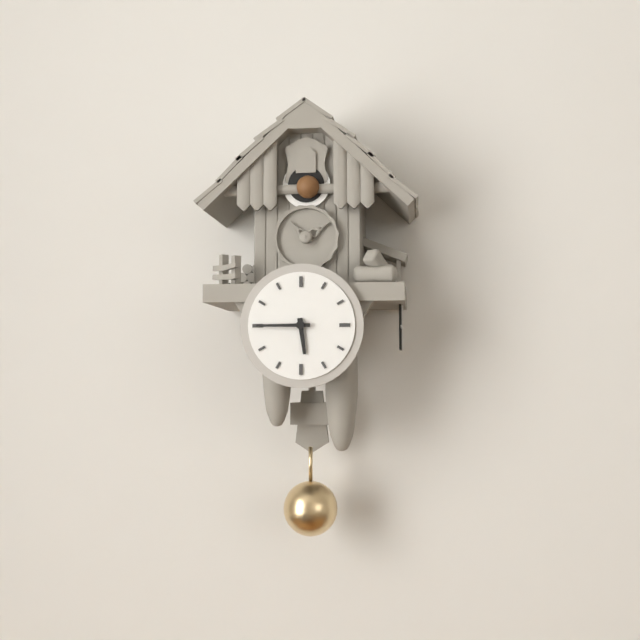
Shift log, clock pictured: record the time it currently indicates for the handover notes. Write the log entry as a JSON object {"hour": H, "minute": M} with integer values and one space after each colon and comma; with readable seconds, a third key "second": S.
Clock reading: {"hour": 5, "minute": 45}
